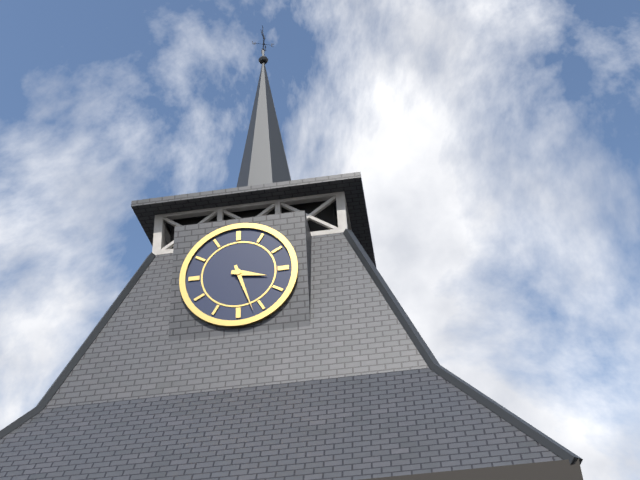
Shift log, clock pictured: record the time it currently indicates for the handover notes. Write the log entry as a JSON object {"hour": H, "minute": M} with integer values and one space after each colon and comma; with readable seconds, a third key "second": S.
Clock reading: {"hour": 3, "minute": 27}
